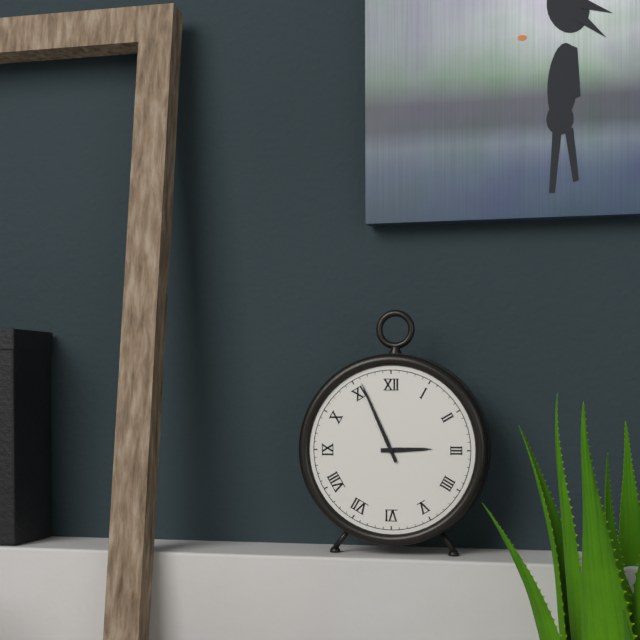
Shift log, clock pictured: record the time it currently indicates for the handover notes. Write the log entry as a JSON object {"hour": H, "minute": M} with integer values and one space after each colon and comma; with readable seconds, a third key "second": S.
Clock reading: {"hour": 2, "minute": 56}
